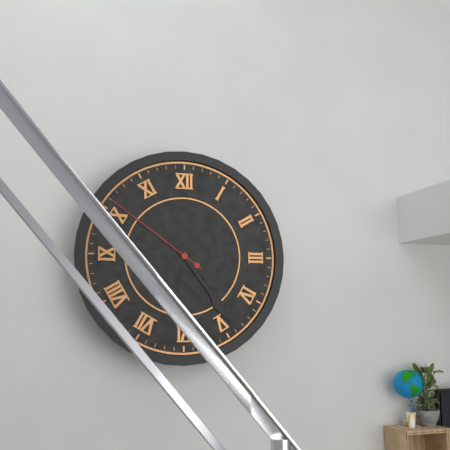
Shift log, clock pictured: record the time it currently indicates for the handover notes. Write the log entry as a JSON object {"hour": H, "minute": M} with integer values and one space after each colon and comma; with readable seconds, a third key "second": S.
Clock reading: {"hour": 4, "minute": 24, "second": 51}
